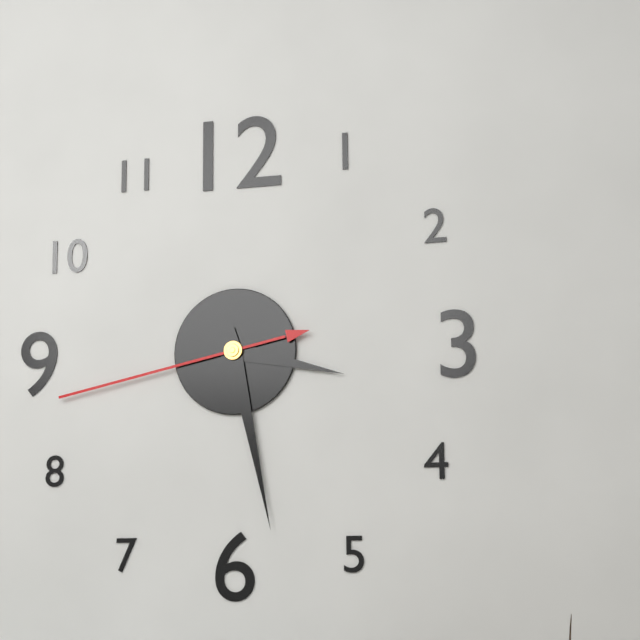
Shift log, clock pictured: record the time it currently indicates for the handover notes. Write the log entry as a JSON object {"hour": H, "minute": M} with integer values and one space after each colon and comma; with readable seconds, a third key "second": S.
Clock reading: {"hour": 3, "minute": 28, "second": 43}
